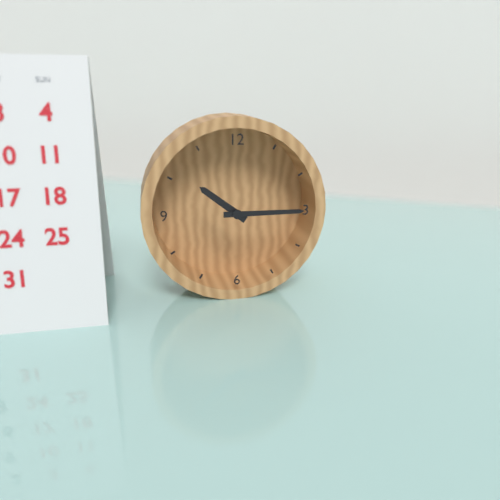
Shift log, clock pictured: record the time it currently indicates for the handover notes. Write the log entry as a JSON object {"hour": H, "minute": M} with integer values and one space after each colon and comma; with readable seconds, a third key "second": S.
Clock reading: {"hour": 10, "minute": 15}
